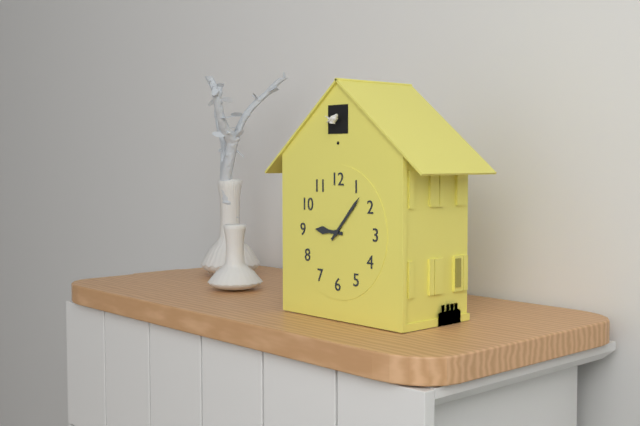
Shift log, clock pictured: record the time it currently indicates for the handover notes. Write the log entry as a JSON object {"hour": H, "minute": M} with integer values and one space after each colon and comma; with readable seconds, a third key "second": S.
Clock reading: {"hour": 9, "minute": 7}
